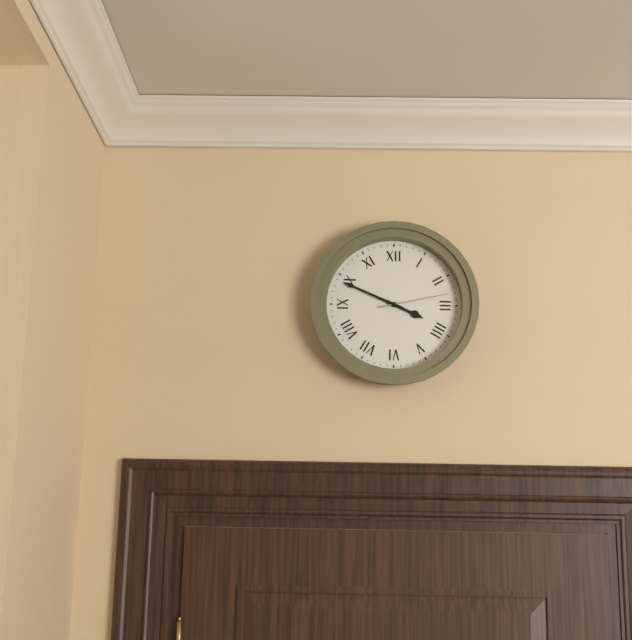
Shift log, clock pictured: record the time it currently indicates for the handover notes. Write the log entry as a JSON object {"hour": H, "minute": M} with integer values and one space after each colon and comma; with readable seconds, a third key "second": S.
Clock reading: {"hour": 3, "minute": 49, "second": 13}
